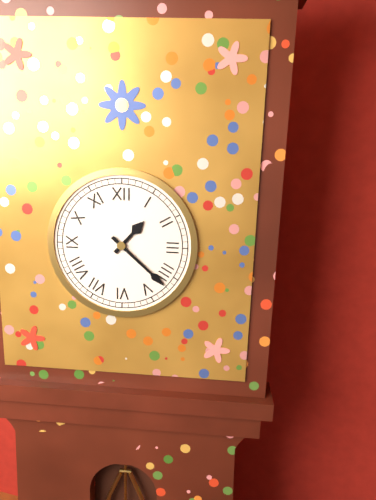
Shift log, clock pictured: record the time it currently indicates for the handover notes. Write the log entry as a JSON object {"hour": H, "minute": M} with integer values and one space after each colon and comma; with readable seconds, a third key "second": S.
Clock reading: {"hour": 1, "minute": 22}
